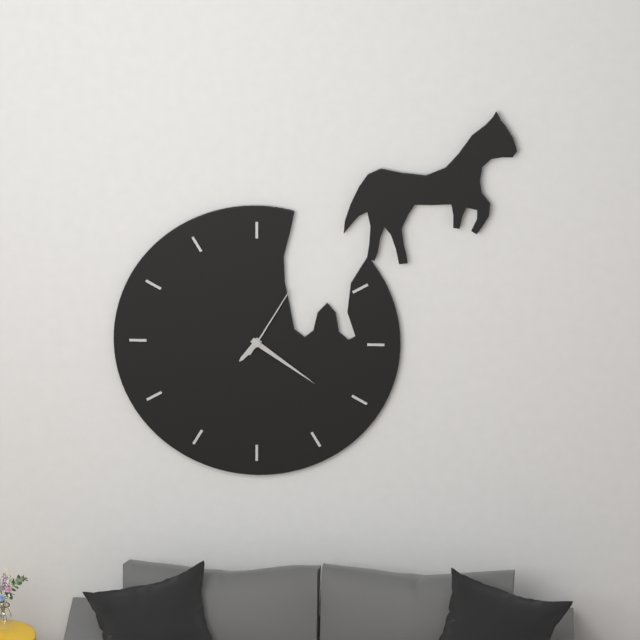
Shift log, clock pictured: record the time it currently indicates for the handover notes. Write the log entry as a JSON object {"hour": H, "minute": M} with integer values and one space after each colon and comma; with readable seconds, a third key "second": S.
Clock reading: {"hour": 7, "minute": 21, "second": 5}
